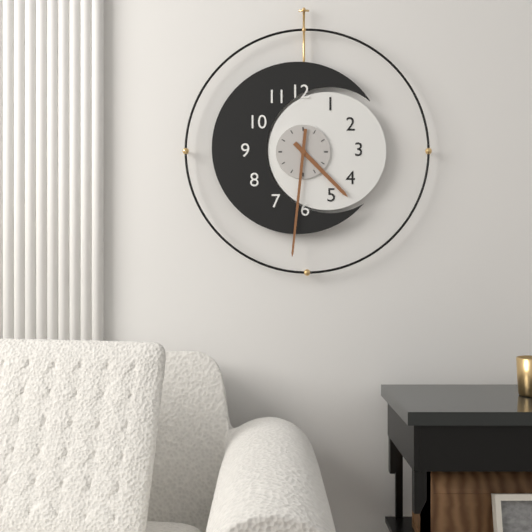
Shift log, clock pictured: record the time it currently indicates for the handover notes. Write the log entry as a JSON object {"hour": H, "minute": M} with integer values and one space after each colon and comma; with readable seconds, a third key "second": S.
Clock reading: {"hour": 4, "minute": 31}
